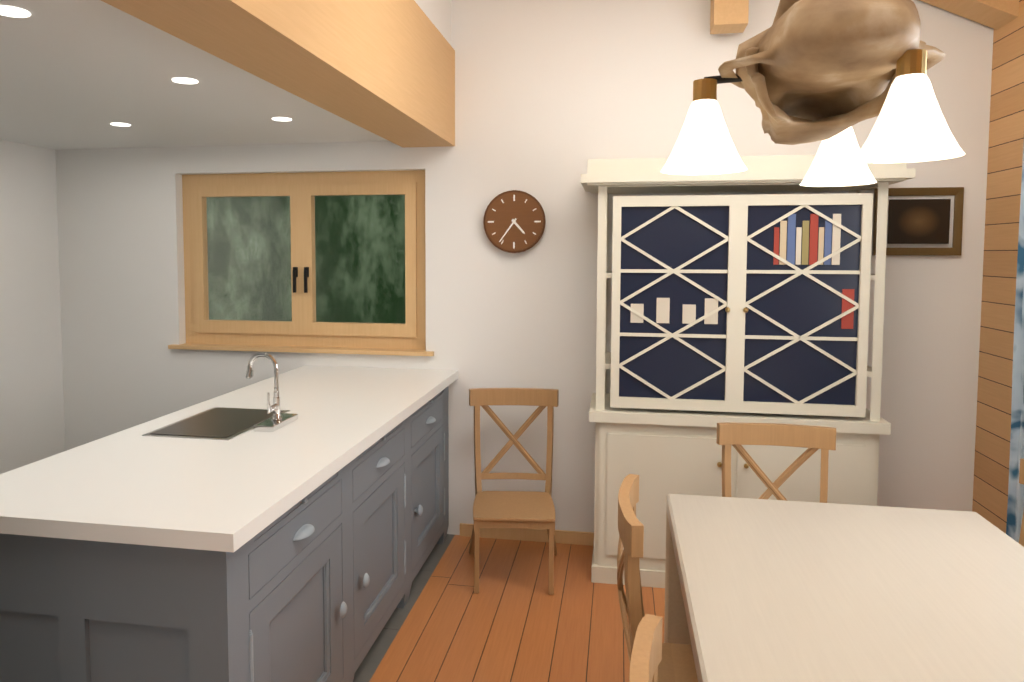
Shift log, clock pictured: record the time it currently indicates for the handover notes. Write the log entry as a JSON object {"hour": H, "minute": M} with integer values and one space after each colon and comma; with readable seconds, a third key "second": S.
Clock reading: {"hour": 4, "minute": 36}
